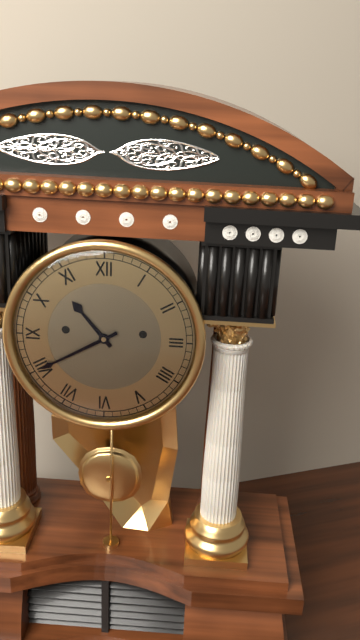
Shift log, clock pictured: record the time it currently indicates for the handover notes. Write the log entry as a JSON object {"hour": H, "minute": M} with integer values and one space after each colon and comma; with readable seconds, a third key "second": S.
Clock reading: {"hour": 10, "minute": 40}
